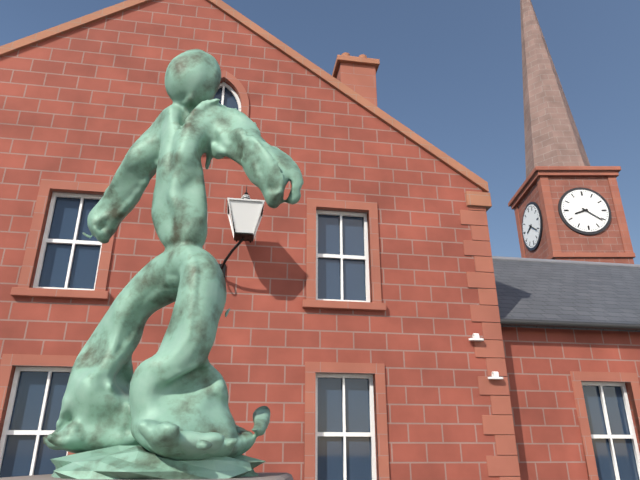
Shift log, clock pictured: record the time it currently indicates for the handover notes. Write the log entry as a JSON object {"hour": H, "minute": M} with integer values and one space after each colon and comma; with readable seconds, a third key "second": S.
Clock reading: {"hour": 8, "minute": 21}
